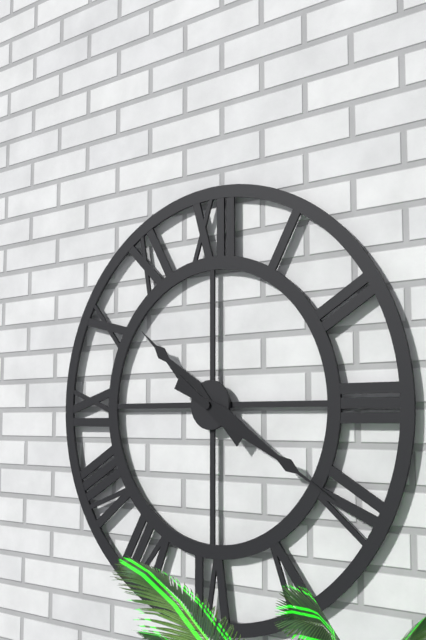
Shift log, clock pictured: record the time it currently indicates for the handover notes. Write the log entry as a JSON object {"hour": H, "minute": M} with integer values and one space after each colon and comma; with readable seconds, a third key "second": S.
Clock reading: {"hour": 10, "minute": 20}
